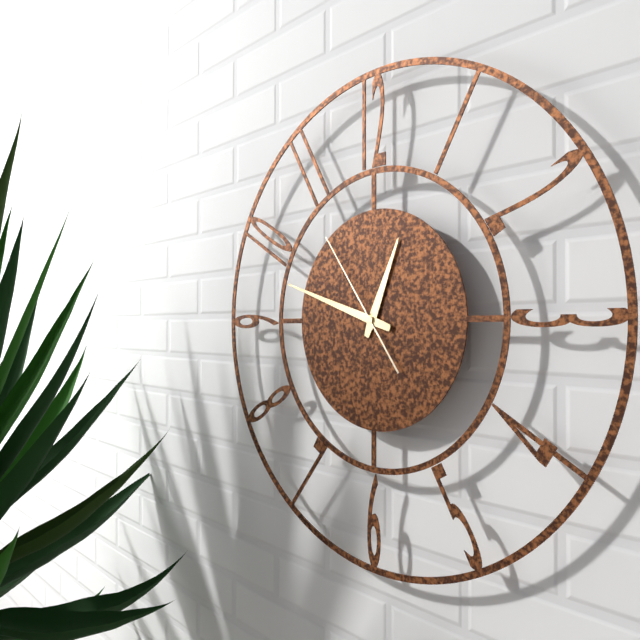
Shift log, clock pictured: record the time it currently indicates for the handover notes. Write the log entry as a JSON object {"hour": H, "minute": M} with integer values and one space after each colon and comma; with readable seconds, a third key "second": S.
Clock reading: {"hour": 12, "minute": 48, "second": 54}
